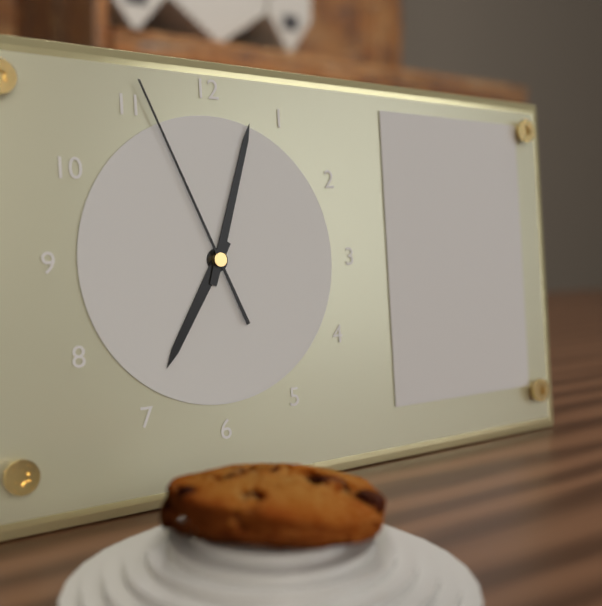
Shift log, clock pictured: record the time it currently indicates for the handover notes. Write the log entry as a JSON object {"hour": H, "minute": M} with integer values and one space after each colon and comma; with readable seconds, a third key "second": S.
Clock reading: {"hour": 7, "minute": 3, "second": 56}
